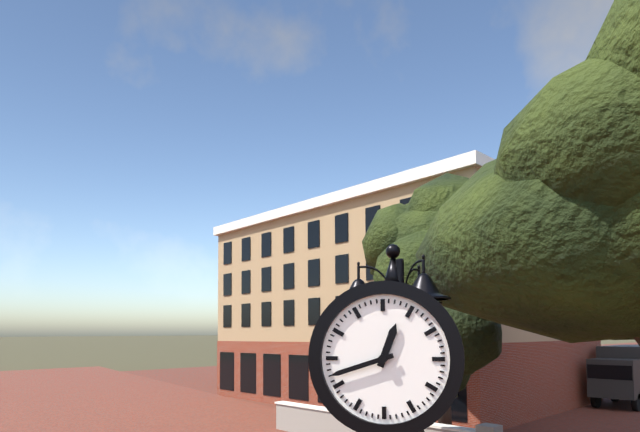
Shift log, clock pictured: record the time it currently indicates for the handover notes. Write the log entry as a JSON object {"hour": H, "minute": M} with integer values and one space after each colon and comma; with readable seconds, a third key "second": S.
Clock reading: {"hour": 12, "minute": 42}
